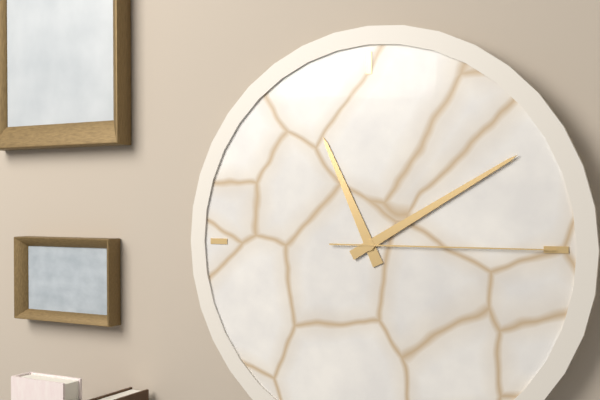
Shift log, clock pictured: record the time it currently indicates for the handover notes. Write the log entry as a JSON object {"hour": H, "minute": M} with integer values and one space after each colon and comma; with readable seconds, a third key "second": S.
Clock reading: {"hour": 11, "minute": 10, "second": 15}
